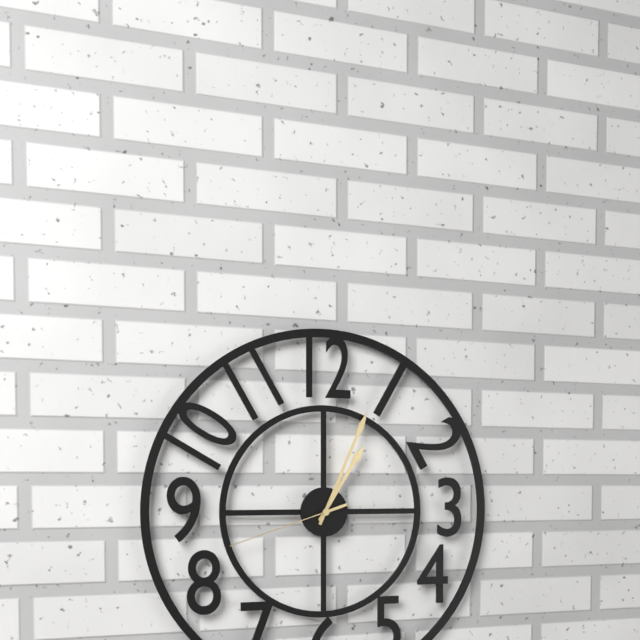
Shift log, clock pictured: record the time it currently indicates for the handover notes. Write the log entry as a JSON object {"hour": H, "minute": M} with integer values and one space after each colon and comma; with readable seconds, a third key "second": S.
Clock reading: {"hour": 1, "minute": 4, "second": 42}
